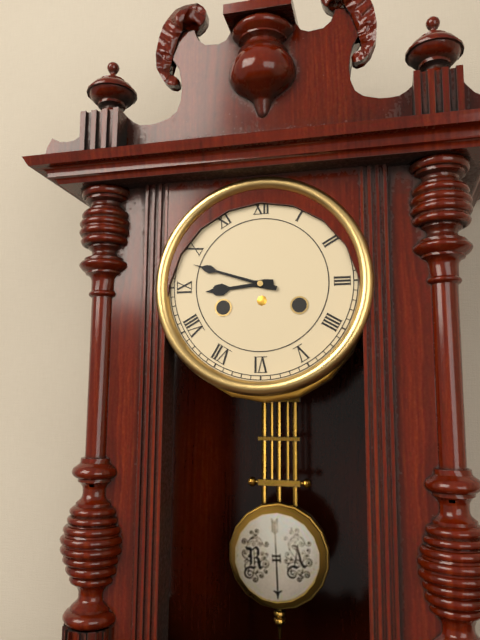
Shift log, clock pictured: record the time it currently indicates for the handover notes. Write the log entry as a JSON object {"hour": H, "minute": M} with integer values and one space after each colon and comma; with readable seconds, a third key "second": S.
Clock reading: {"hour": 8, "minute": 48}
